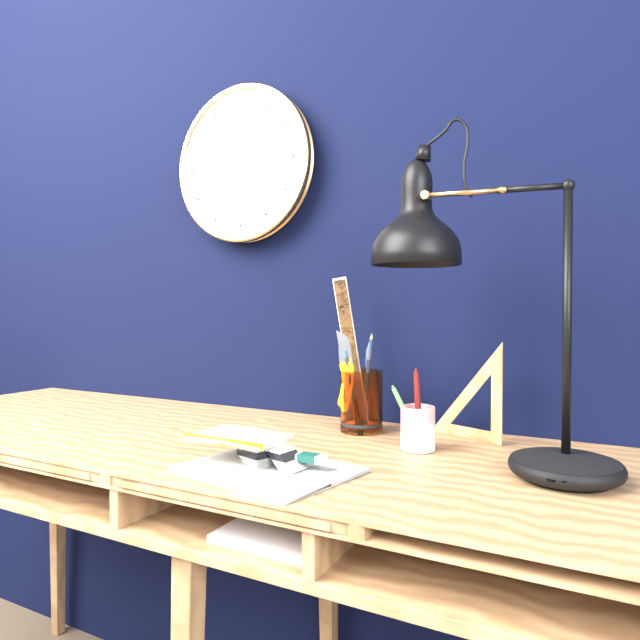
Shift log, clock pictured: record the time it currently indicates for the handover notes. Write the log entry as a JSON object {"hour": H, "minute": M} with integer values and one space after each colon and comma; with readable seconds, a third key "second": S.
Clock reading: {"hour": 4, "minute": 1}
